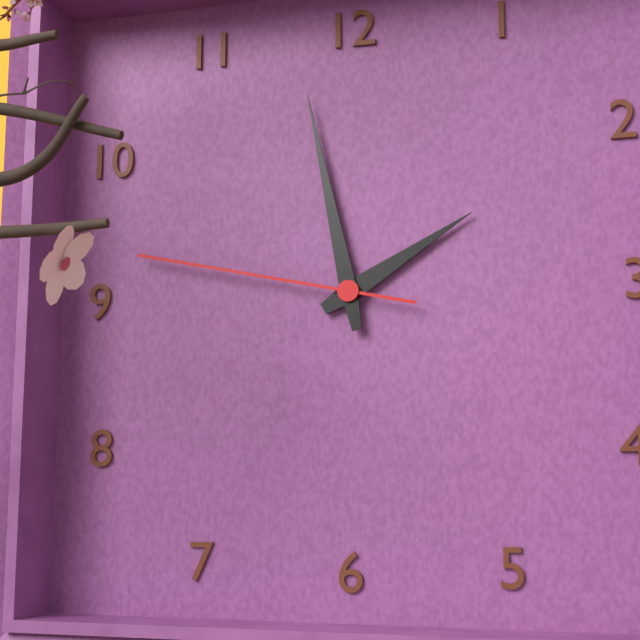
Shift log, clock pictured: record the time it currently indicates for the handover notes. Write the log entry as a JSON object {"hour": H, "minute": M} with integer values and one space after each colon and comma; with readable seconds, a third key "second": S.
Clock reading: {"hour": 1, "minute": 58, "second": 47}
